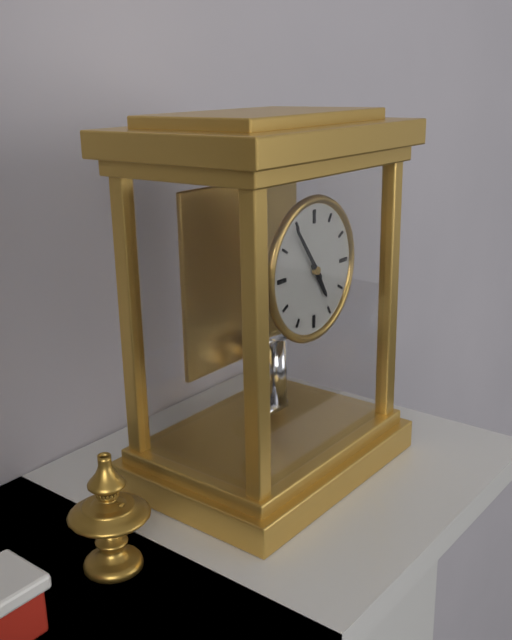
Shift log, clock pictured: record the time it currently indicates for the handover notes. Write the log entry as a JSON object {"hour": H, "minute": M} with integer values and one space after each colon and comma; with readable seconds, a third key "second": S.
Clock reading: {"hour": 4, "minute": 54}
